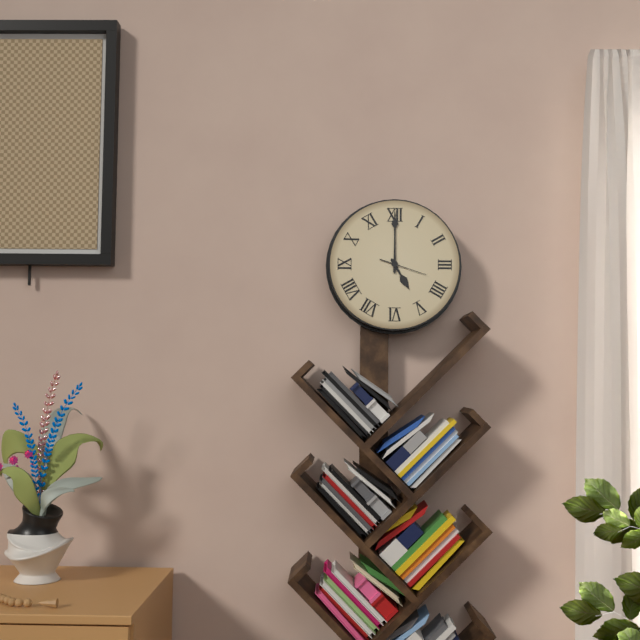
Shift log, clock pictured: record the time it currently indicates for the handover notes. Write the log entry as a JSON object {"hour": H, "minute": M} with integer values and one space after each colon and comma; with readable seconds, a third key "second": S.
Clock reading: {"hour": 5, "minute": 0}
